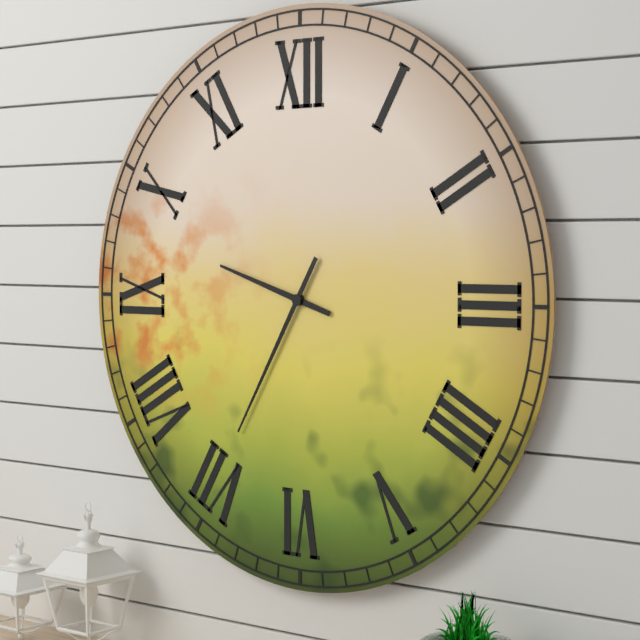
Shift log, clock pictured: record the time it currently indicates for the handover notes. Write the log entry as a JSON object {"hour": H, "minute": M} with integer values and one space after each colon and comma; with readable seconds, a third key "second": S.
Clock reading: {"hour": 9, "minute": 35}
